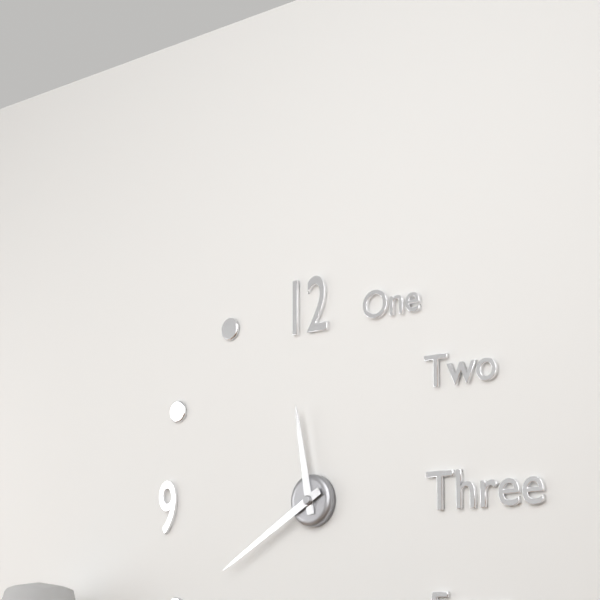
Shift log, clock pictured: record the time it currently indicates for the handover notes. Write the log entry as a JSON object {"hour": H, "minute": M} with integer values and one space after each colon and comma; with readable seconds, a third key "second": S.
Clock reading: {"hour": 11, "minute": 40}
